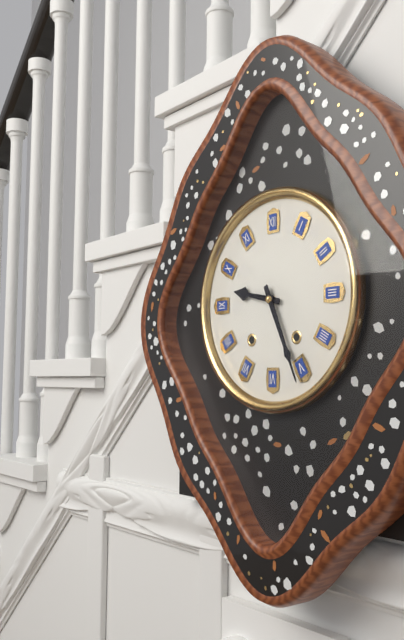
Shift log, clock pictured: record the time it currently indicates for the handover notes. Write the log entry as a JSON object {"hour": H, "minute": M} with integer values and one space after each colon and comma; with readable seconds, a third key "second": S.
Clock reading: {"hour": 9, "minute": 26}
